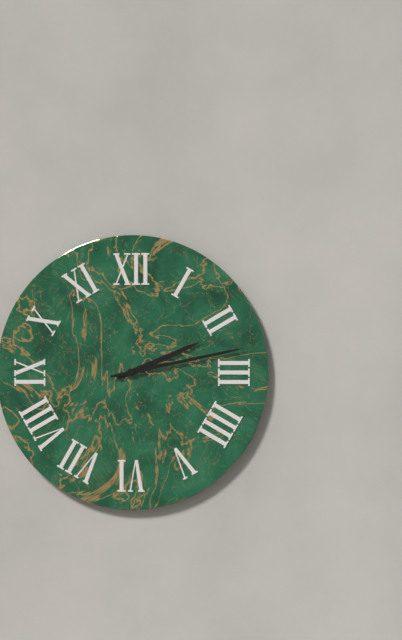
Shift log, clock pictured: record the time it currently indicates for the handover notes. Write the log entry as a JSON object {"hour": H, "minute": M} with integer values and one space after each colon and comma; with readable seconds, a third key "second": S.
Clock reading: {"hour": 2, "minute": 13}
